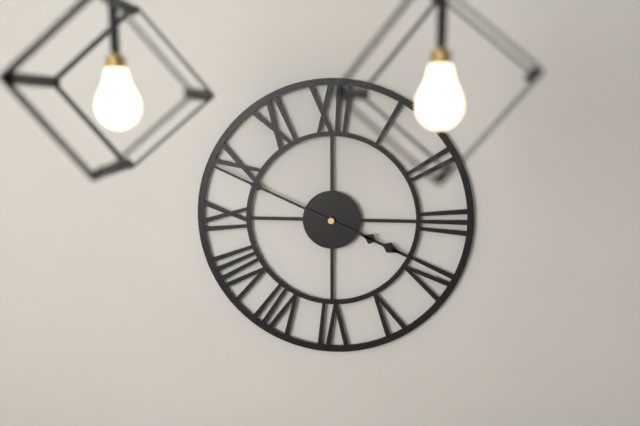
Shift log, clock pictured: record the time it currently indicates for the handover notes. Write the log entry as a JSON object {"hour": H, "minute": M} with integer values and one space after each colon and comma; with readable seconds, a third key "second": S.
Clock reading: {"hour": 3, "minute": 49}
